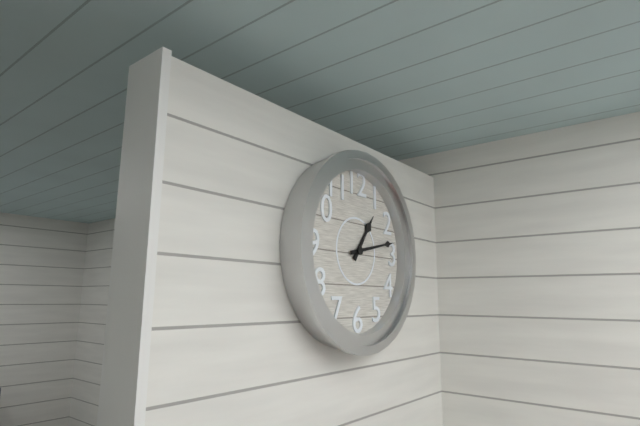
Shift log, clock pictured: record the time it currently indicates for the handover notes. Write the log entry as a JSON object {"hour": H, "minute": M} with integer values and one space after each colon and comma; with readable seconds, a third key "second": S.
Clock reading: {"hour": 1, "minute": 13}
